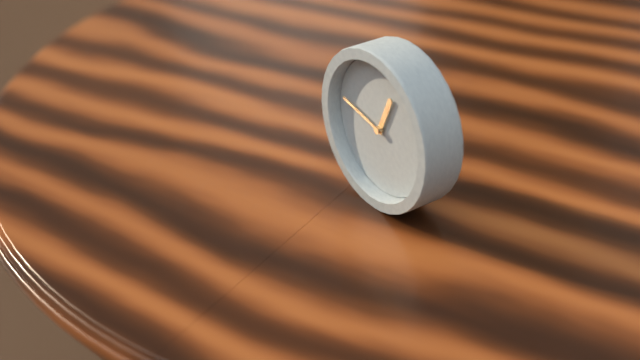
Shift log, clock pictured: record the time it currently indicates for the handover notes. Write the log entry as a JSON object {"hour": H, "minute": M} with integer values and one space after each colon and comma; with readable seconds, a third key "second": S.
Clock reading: {"hour": 12, "minute": 47}
